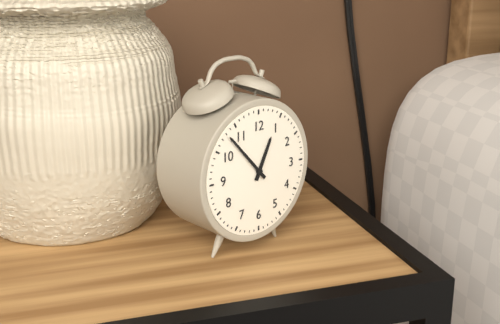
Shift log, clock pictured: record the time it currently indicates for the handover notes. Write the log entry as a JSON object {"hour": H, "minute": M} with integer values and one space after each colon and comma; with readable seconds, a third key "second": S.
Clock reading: {"hour": 12, "minute": 53}
